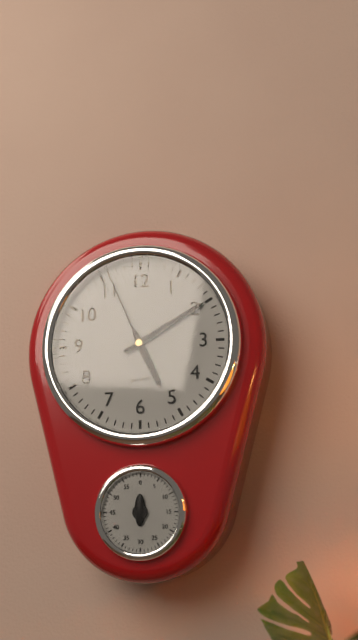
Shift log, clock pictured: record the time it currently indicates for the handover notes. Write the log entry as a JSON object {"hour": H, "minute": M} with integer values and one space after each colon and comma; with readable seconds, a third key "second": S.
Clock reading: {"hour": 5, "minute": 10, "second": 56}
